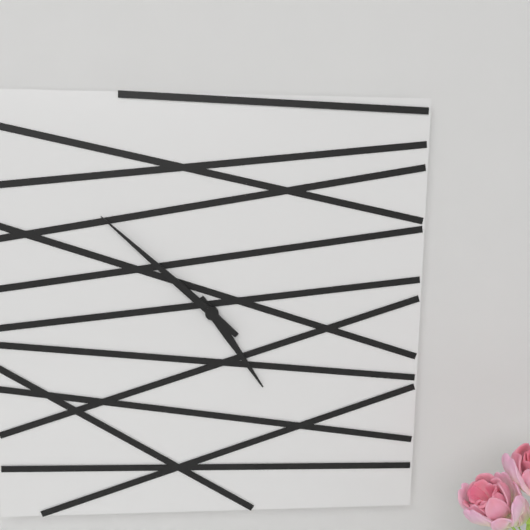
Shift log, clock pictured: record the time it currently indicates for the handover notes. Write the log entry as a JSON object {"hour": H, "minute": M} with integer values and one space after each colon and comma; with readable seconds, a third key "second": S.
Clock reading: {"hour": 4, "minute": 52}
